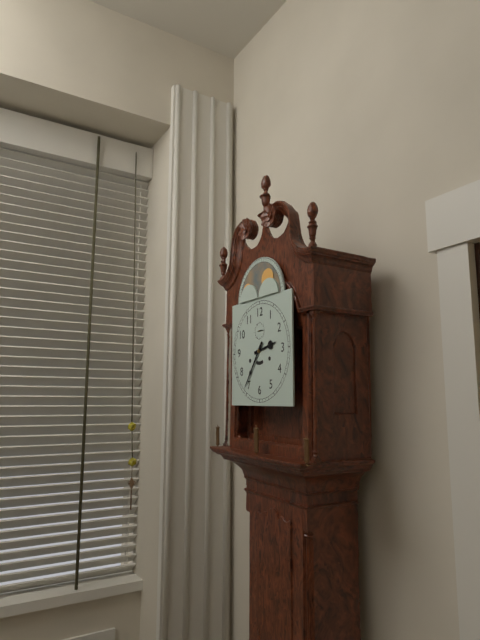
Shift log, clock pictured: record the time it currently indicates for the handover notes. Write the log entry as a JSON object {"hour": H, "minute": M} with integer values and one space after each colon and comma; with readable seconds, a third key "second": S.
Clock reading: {"hour": 2, "minute": 36}
